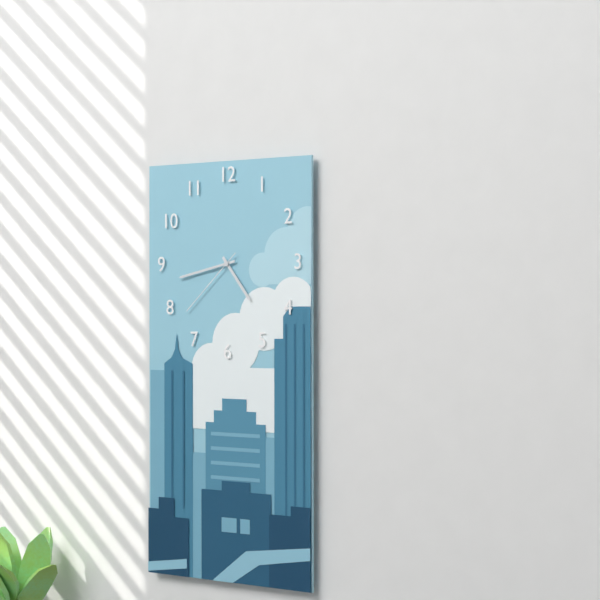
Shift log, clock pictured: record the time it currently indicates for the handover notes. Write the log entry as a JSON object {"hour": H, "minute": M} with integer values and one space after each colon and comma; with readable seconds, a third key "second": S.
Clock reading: {"hour": 4, "minute": 43, "second": 38}
